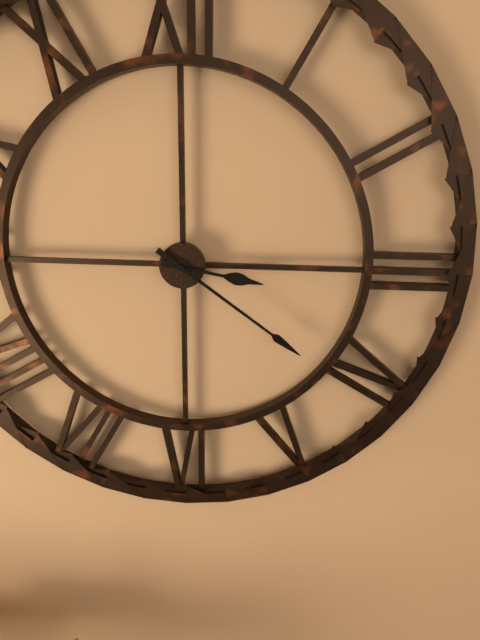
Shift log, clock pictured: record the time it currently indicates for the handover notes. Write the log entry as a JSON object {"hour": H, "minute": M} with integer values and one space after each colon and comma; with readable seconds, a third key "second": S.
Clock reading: {"hour": 3, "minute": 21}
